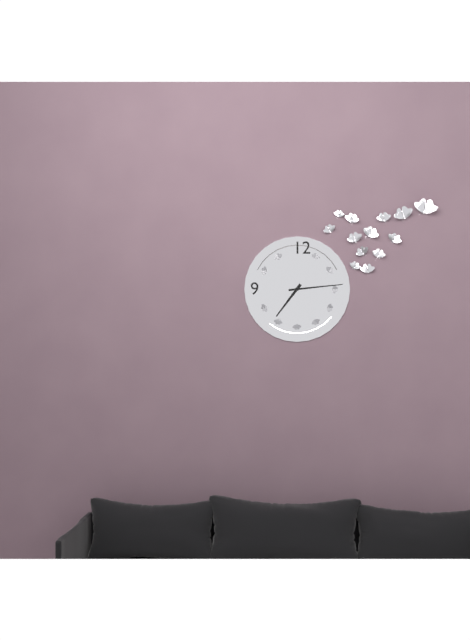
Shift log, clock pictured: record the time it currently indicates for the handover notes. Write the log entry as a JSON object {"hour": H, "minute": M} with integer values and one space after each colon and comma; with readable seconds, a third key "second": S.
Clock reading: {"hour": 7, "minute": 14}
